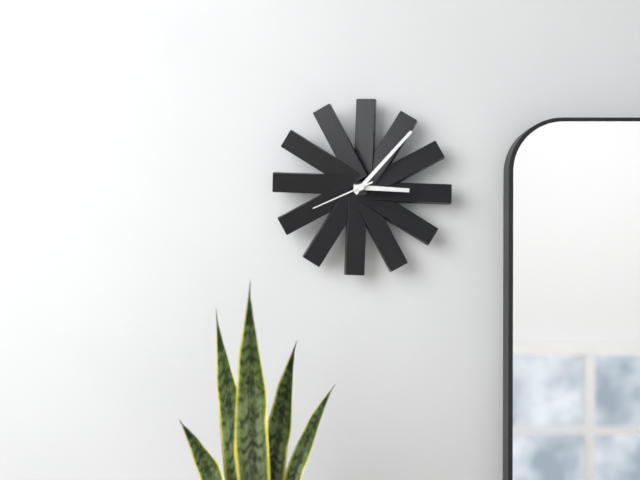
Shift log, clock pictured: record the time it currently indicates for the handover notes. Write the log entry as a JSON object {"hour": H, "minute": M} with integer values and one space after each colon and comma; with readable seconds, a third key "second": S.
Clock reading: {"hour": 3, "minute": 7, "second": 41}
